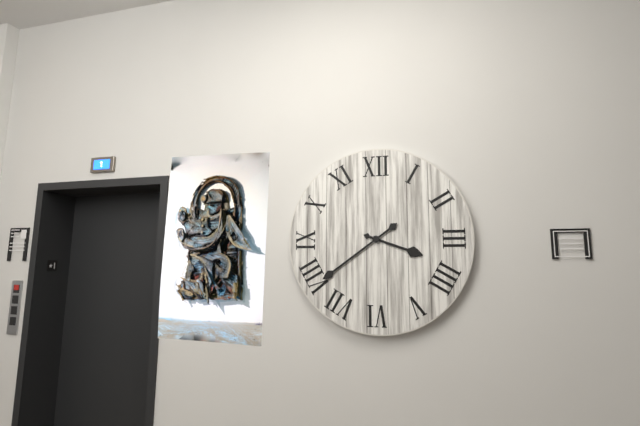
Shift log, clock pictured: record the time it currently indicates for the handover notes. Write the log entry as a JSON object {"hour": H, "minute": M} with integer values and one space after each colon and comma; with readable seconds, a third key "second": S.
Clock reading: {"hour": 3, "minute": 39}
